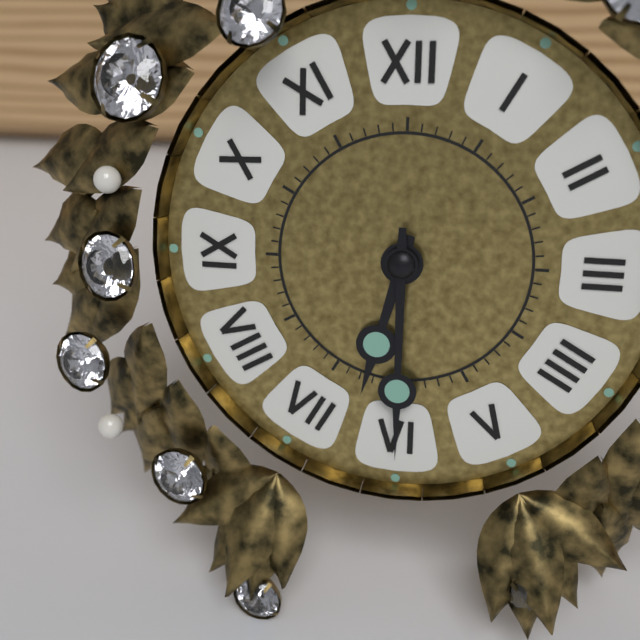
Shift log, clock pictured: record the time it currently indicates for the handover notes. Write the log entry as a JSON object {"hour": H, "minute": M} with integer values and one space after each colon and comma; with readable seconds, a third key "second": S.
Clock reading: {"hour": 6, "minute": 30}
